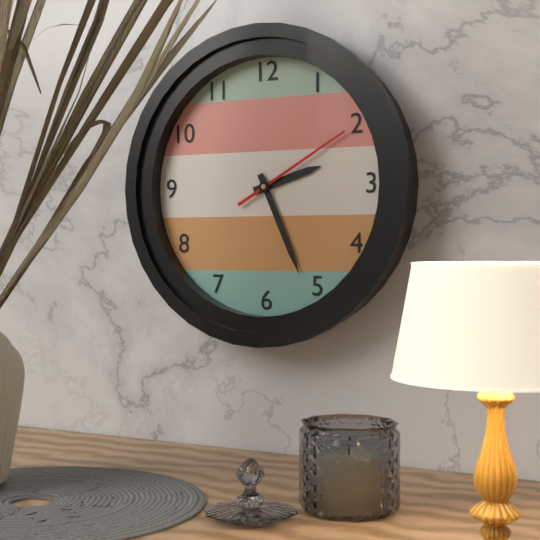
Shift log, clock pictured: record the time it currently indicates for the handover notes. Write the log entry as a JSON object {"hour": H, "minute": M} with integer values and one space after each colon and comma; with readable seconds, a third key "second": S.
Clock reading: {"hour": 2, "minute": 26, "second": 10}
